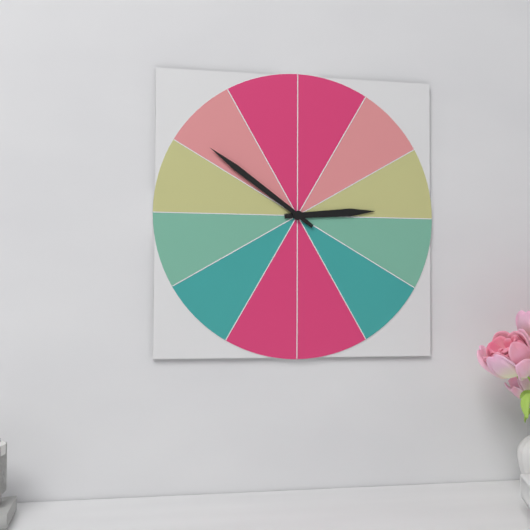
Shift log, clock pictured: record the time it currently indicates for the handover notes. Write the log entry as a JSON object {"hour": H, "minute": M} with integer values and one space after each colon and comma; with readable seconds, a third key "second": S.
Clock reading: {"hour": 2, "minute": 51}
